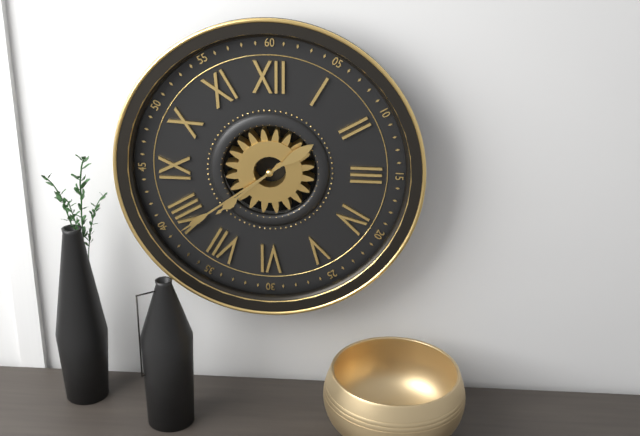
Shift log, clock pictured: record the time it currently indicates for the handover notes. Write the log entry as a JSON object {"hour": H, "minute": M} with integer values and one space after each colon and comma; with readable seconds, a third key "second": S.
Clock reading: {"hour": 7, "minute": 39}
